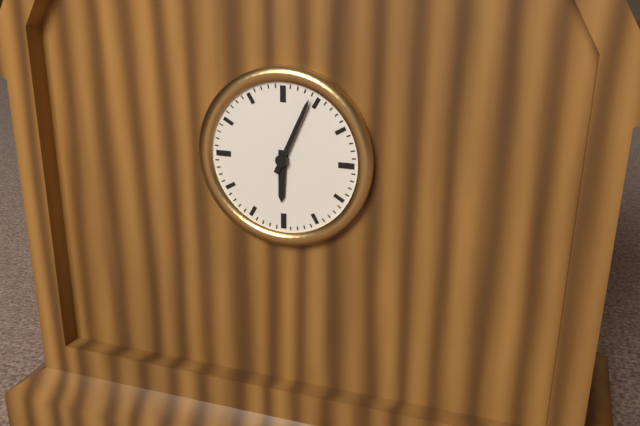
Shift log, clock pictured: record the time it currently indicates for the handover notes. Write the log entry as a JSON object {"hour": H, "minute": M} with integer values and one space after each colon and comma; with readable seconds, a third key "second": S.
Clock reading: {"hour": 6, "minute": 4}
